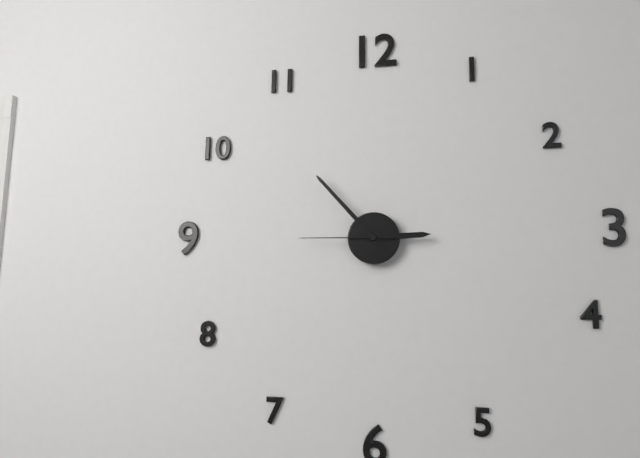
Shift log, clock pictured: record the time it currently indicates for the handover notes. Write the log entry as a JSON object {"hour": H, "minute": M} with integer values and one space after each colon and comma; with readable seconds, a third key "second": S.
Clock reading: {"hour": 2, "minute": 53, "second": 45}
